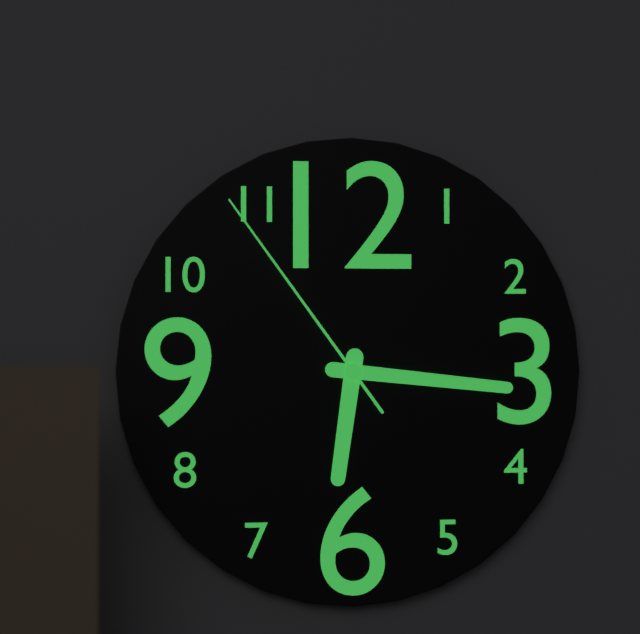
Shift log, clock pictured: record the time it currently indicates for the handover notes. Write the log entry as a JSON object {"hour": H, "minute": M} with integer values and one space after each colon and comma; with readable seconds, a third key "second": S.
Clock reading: {"hour": 6, "minute": 16, "second": 54}
